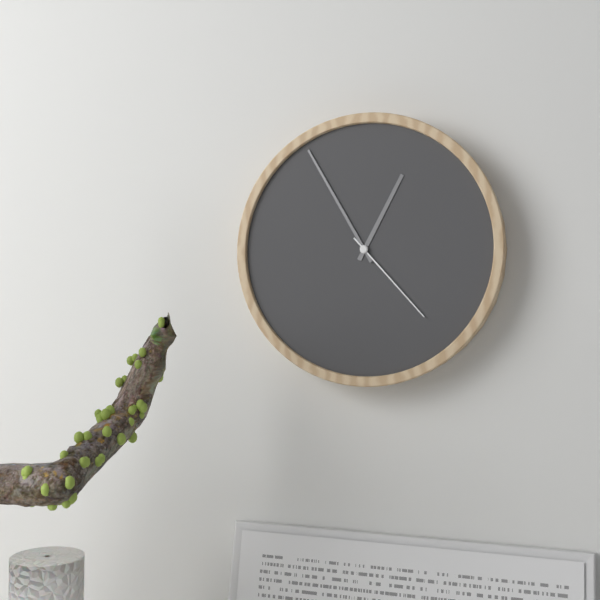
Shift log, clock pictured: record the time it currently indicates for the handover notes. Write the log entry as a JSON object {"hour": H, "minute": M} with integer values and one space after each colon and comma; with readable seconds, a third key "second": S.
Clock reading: {"hour": 12, "minute": 55, "second": 23}
